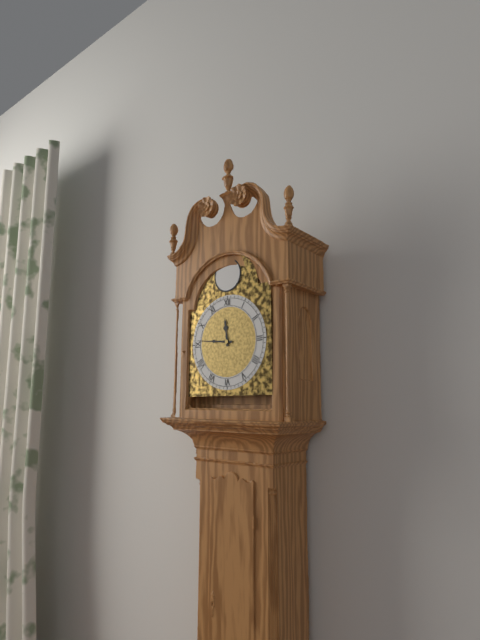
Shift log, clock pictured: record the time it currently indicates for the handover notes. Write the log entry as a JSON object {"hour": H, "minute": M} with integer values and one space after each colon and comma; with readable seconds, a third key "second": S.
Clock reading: {"hour": 11, "minute": 46}
